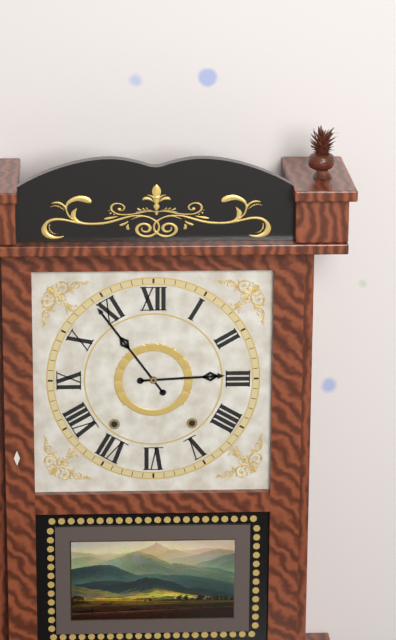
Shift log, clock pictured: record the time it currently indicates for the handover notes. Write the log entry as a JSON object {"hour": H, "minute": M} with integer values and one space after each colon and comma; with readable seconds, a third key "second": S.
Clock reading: {"hour": 2, "minute": 54}
